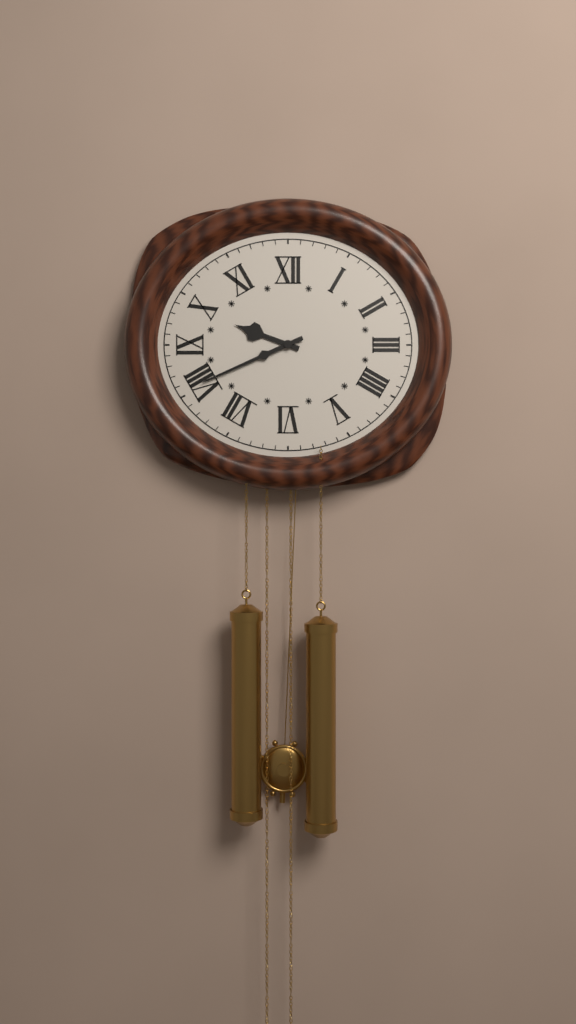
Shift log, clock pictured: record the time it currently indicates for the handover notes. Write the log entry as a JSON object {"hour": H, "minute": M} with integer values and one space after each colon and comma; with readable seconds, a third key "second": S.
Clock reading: {"hour": 9, "minute": 41}
